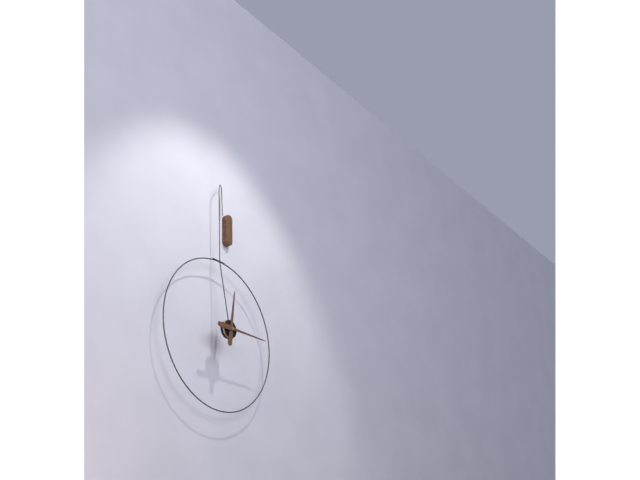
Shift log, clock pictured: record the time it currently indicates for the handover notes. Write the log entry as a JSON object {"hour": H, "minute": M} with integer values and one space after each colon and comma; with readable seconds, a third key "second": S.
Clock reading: {"hour": 12, "minute": 15}
